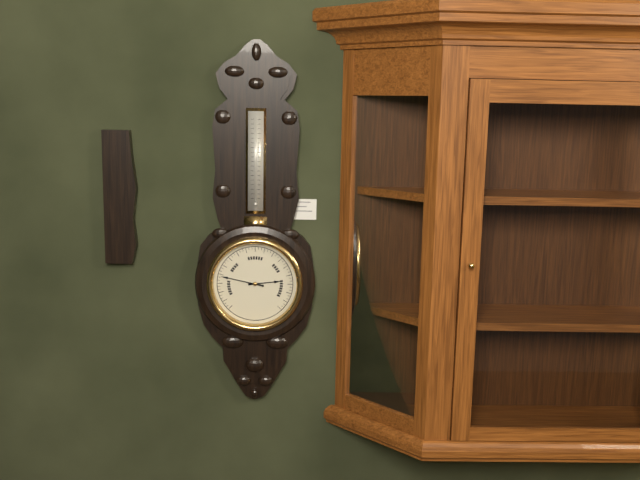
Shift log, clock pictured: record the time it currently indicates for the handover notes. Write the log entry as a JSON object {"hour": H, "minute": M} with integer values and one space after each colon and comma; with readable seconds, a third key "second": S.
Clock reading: {"hour": 2, "minute": 47}
